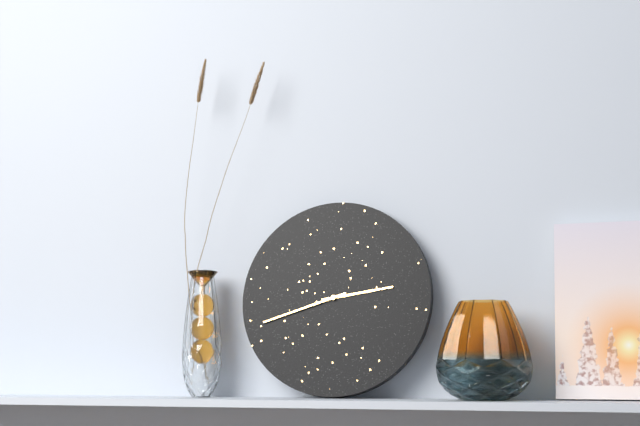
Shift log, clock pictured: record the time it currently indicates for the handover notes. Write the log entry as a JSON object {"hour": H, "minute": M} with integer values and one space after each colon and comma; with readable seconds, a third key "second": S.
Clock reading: {"hour": 2, "minute": 42}
